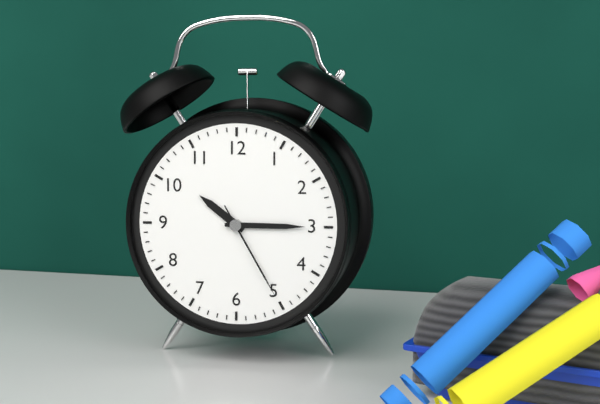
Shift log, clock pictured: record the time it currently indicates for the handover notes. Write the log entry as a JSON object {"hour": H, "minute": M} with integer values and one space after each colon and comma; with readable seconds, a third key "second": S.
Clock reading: {"hour": 10, "minute": 15, "second": 25}
